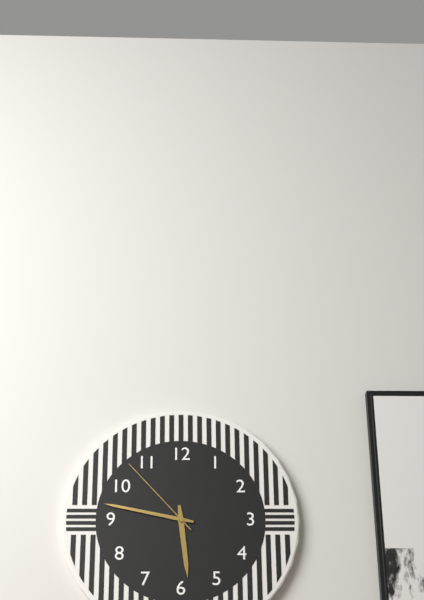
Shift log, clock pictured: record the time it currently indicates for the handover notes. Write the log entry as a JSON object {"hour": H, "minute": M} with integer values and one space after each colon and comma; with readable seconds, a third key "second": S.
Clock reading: {"hour": 5, "minute": 47, "second": 53}
